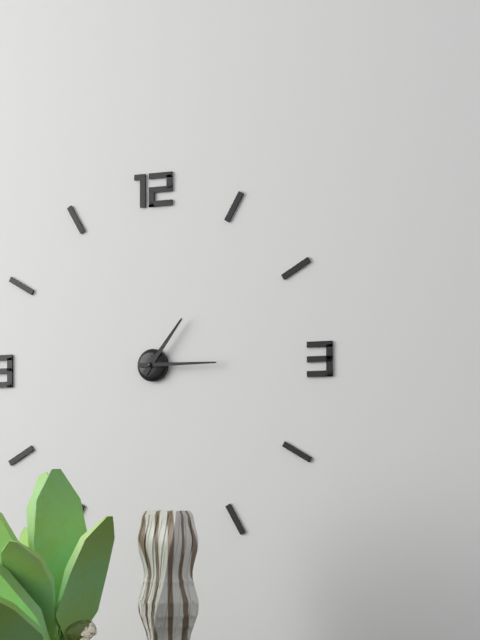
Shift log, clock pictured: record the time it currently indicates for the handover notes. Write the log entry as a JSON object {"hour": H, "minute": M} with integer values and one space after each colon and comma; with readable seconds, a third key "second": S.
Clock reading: {"hour": 1, "minute": 15}
